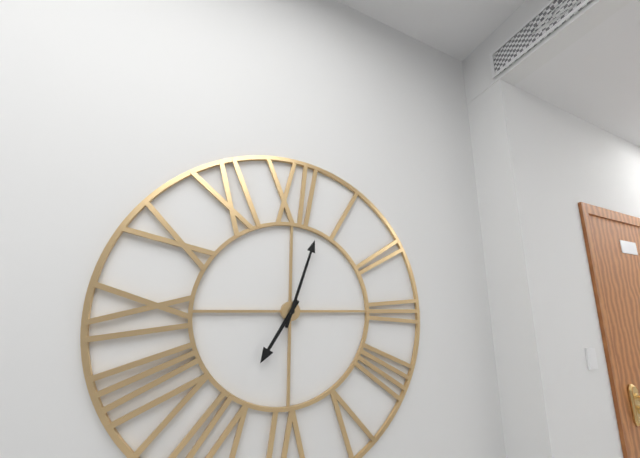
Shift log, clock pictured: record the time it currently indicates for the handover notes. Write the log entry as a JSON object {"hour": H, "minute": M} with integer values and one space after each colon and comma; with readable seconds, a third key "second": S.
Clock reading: {"hour": 7, "minute": 3}
